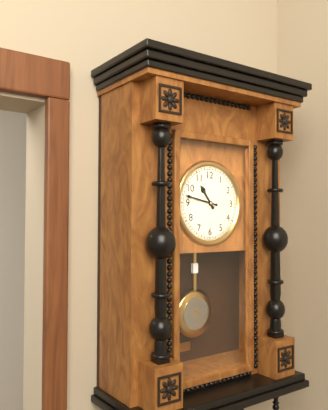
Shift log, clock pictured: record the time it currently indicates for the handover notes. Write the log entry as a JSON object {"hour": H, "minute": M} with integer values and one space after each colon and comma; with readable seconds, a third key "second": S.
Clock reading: {"hour": 10, "minute": 47}
